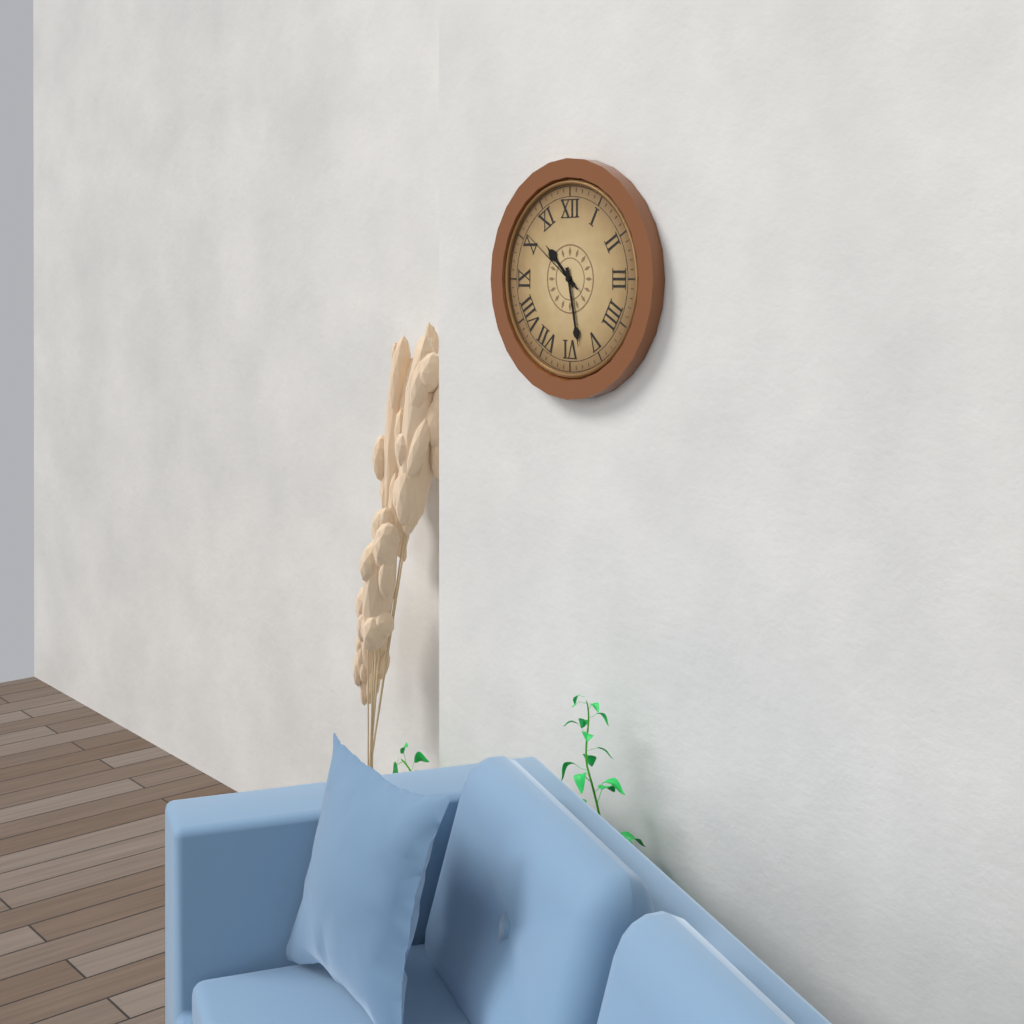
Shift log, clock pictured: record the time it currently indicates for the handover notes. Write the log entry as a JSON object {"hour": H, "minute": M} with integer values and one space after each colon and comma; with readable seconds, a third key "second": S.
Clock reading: {"hour": 10, "minute": 28, "second": 51}
